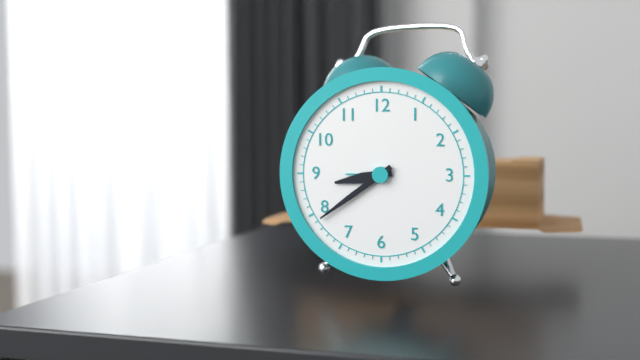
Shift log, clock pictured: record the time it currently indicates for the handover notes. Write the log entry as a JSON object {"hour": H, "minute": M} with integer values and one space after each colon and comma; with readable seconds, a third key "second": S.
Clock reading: {"hour": 8, "minute": 39}
